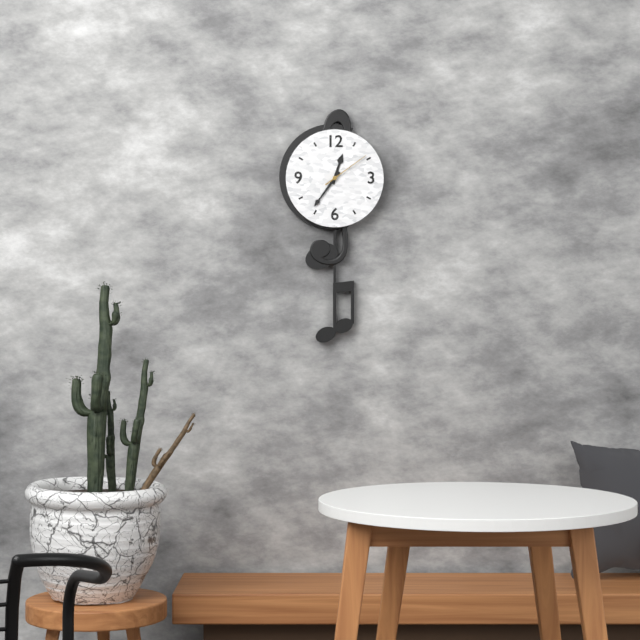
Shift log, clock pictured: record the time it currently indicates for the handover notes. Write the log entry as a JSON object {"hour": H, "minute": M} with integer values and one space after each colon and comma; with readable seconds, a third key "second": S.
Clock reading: {"hour": 12, "minute": 36}
